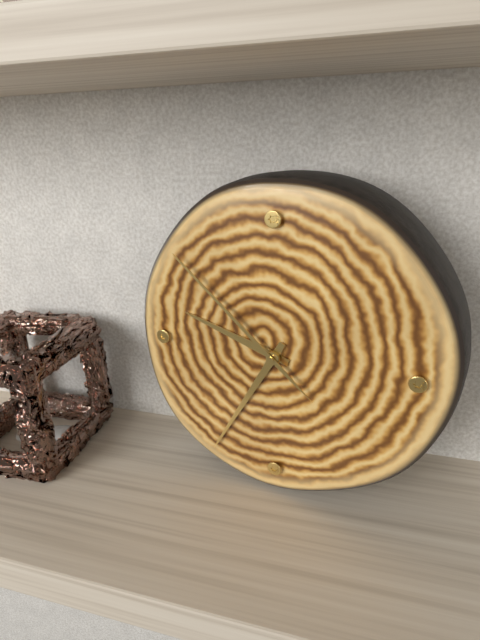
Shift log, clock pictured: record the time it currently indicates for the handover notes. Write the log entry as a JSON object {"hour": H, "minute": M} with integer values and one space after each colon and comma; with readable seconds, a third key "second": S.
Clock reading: {"hour": 9, "minute": 35, "second": 52}
